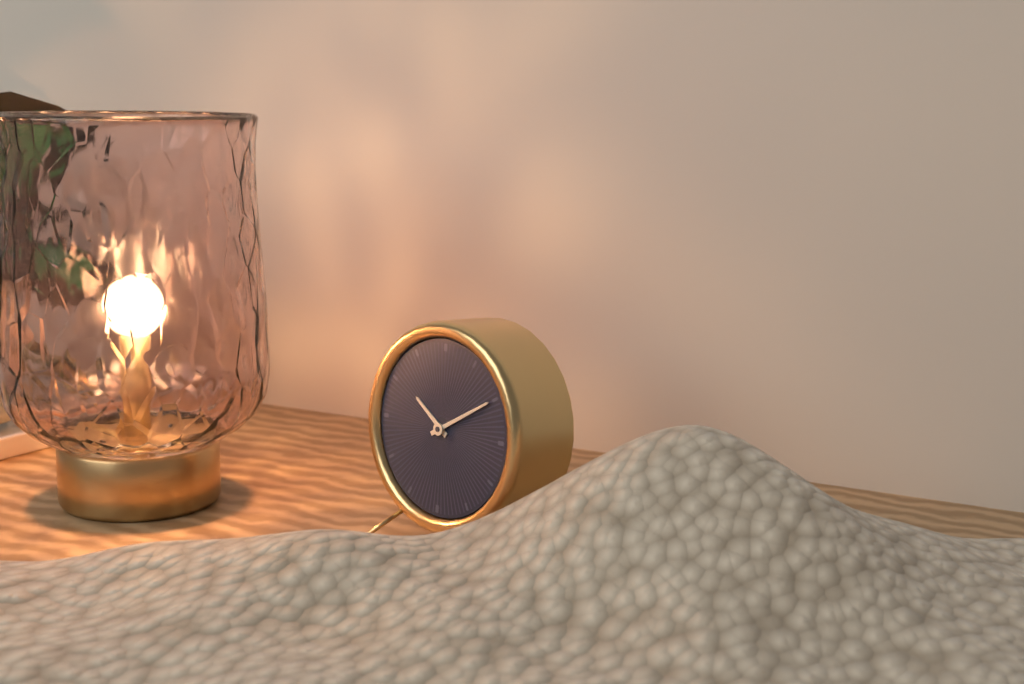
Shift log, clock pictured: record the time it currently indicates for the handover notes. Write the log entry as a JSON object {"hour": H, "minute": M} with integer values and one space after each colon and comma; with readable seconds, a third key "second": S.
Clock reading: {"hour": 10, "minute": 10}
